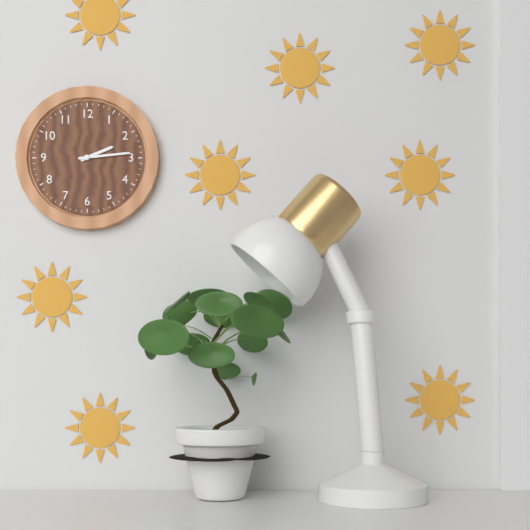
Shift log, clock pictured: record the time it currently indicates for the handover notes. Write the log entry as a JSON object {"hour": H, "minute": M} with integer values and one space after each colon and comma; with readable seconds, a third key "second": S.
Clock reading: {"hour": 2, "minute": 14}
